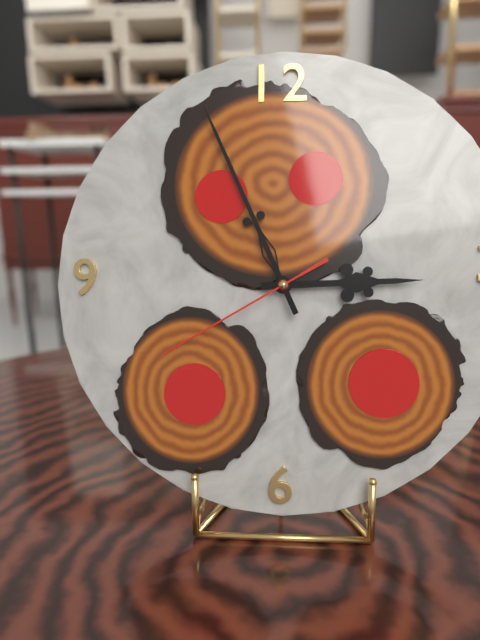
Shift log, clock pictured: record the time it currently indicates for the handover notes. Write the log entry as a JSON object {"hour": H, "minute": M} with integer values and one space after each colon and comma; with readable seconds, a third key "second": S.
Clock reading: {"hour": 2, "minute": 56, "second": 40}
